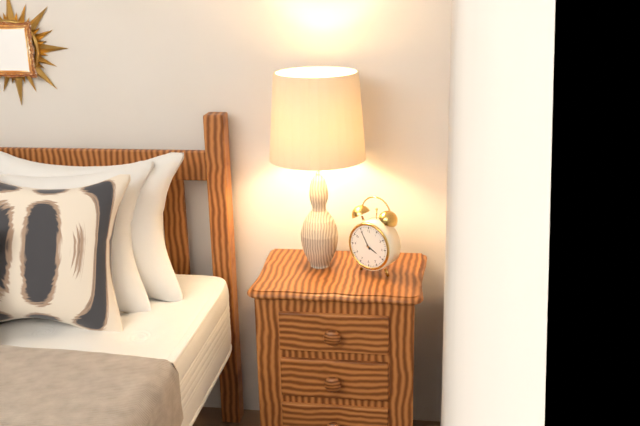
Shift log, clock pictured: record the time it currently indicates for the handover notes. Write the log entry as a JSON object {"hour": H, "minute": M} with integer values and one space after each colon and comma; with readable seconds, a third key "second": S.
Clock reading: {"hour": 3, "minute": 55}
